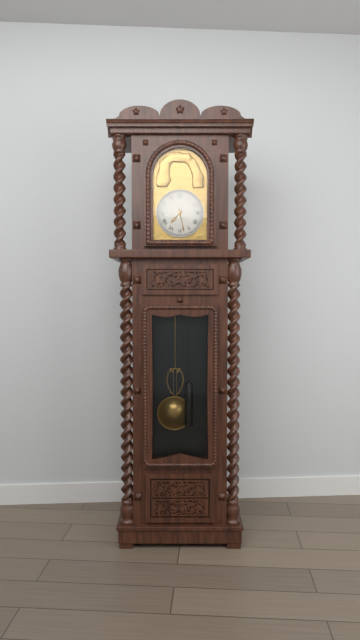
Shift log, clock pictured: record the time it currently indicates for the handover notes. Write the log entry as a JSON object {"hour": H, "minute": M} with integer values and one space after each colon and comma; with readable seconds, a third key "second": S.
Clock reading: {"hour": 7, "minute": 28}
